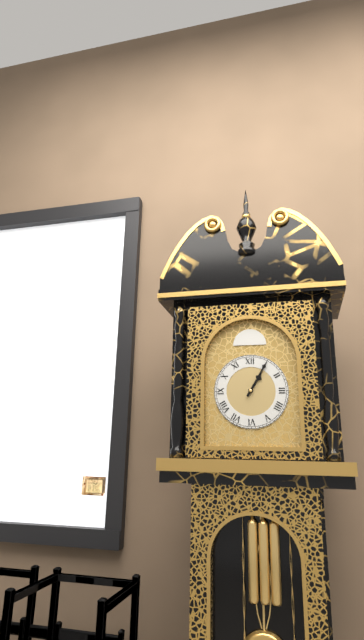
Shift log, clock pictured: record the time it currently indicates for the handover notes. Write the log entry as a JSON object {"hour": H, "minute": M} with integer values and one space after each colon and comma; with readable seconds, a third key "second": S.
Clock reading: {"hour": 1, "minute": 5}
